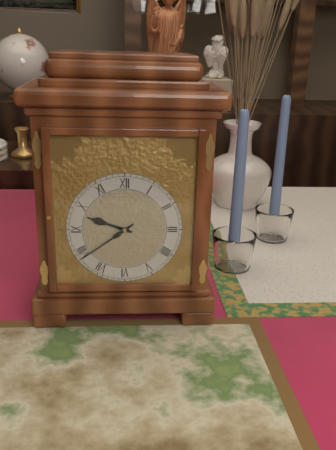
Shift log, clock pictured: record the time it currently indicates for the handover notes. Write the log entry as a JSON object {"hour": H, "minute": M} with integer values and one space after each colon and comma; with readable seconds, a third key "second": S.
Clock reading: {"hour": 9, "minute": 39}
